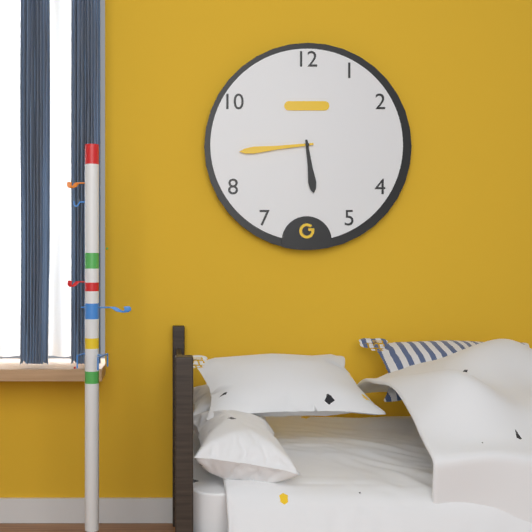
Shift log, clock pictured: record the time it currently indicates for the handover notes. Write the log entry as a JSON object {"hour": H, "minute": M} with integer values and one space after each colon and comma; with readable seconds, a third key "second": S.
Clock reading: {"hour": 5, "minute": 44}
